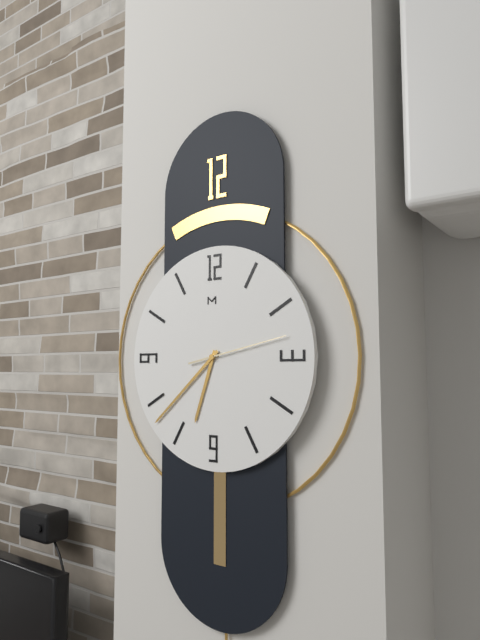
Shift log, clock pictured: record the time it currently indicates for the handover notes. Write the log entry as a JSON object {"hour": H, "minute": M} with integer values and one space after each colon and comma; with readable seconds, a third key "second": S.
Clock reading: {"hour": 6, "minute": 38, "second": 13}
